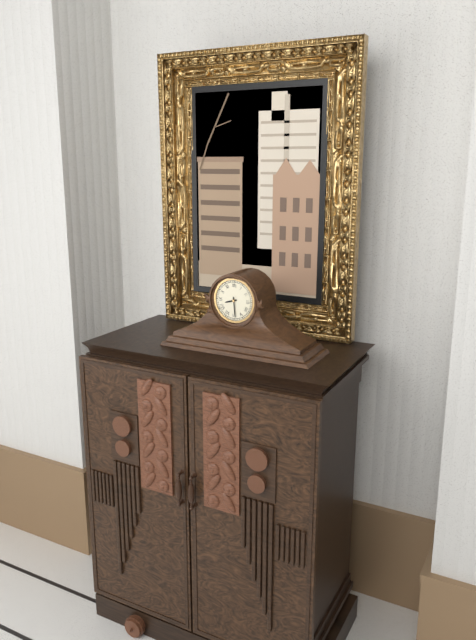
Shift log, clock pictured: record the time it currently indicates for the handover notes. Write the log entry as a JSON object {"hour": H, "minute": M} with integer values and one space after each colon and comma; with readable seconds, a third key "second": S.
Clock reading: {"hour": 8, "minute": 29}
